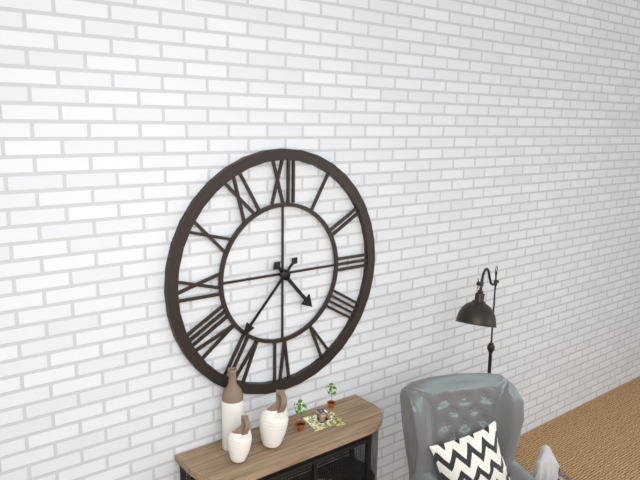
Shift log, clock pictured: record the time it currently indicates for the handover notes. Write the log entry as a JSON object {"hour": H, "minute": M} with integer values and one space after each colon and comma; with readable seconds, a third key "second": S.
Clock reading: {"hour": 4, "minute": 37}
